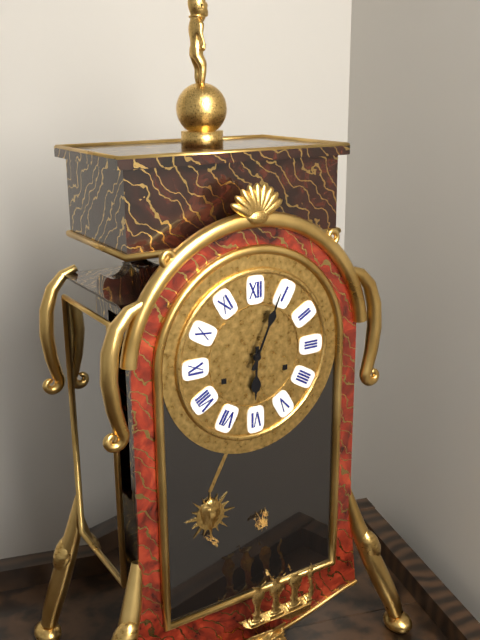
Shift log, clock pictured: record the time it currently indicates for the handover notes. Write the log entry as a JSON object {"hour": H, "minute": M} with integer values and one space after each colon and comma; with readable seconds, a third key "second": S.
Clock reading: {"hour": 6, "minute": 4}
